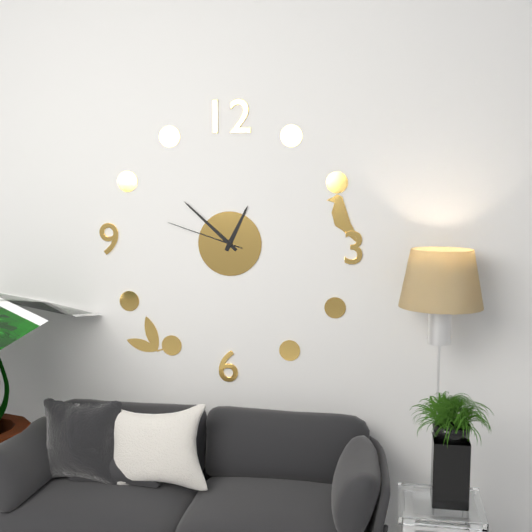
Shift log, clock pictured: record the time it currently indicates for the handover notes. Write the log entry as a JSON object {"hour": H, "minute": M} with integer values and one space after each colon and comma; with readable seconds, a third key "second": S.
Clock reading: {"hour": 12, "minute": 52, "second": 48}
